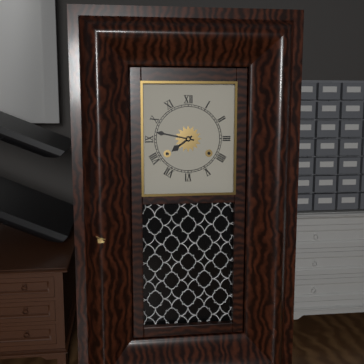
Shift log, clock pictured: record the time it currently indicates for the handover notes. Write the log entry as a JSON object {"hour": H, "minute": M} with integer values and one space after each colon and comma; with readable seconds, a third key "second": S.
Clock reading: {"hour": 7, "minute": 47}
